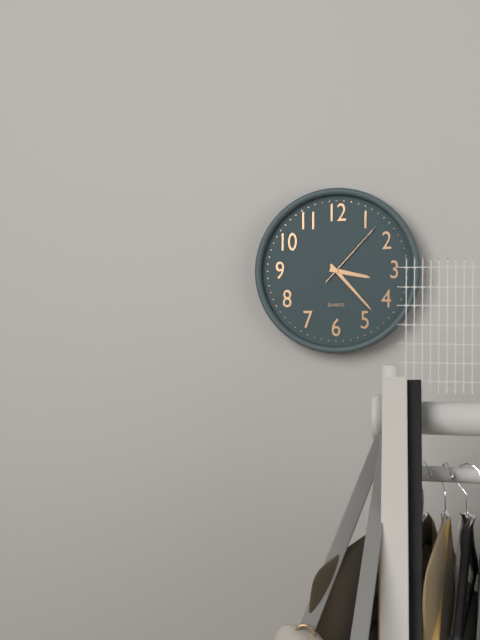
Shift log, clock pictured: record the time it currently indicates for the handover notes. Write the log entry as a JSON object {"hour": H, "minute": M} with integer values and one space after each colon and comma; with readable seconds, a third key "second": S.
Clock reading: {"hour": 3, "minute": 23, "second": 7}
